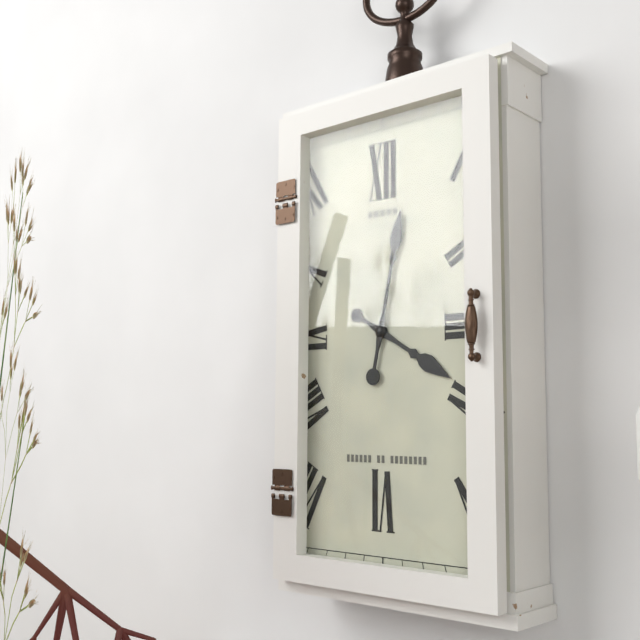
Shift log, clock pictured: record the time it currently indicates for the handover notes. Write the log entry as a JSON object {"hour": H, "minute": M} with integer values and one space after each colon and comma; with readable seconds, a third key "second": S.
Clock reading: {"hour": 4, "minute": 2}
